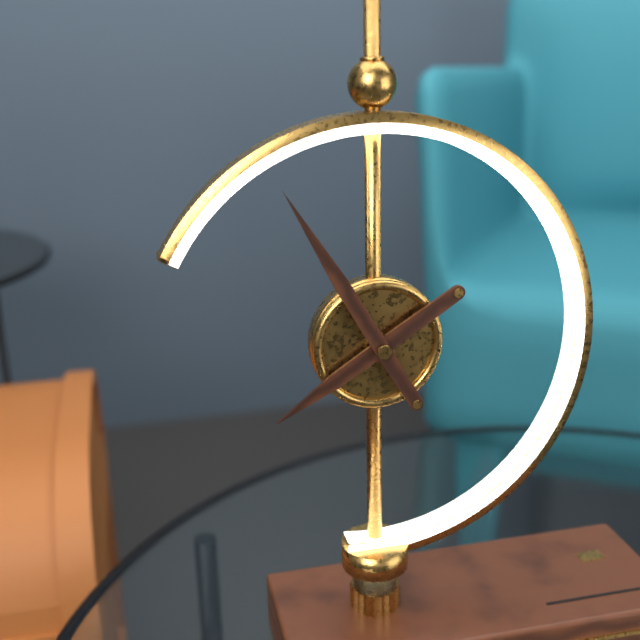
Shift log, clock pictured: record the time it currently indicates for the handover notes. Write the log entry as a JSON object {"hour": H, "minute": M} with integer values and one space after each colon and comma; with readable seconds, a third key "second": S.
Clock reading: {"hour": 7, "minute": 55}
